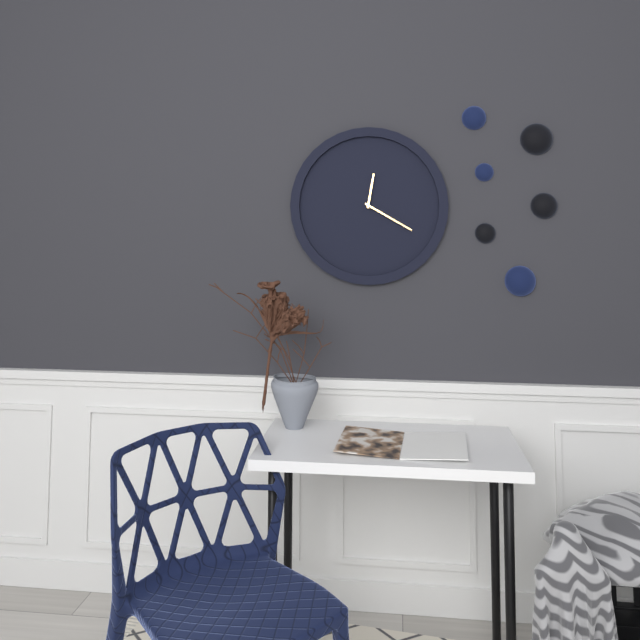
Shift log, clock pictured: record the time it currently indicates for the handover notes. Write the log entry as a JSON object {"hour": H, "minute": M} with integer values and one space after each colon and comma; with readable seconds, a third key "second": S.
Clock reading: {"hour": 12, "minute": 20}
